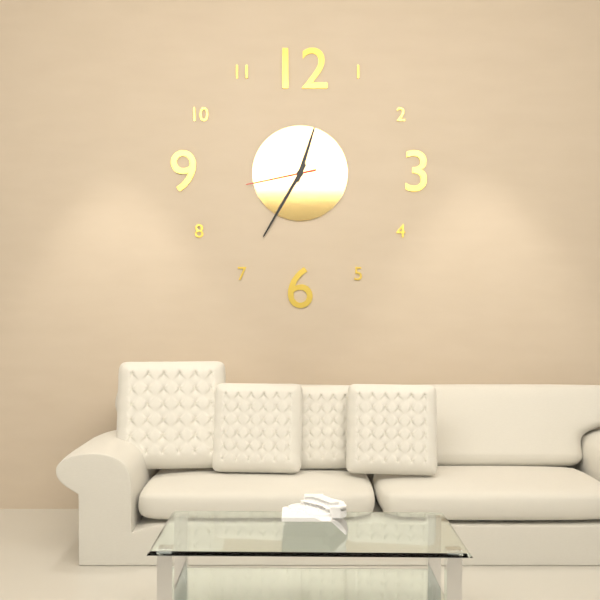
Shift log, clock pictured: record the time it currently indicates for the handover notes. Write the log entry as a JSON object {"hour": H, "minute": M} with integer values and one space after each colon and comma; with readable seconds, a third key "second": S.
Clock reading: {"hour": 12, "minute": 35, "second": 43}
